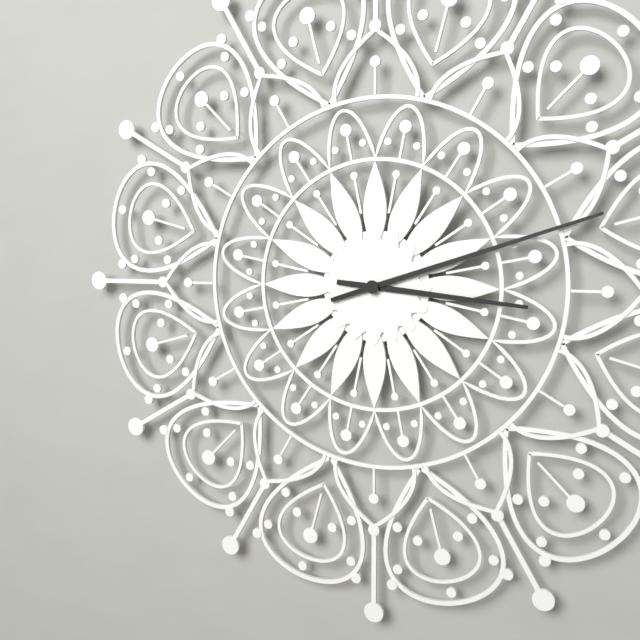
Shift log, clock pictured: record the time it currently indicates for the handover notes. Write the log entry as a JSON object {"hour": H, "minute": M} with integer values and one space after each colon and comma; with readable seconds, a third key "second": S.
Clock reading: {"hour": 3, "minute": 12}
